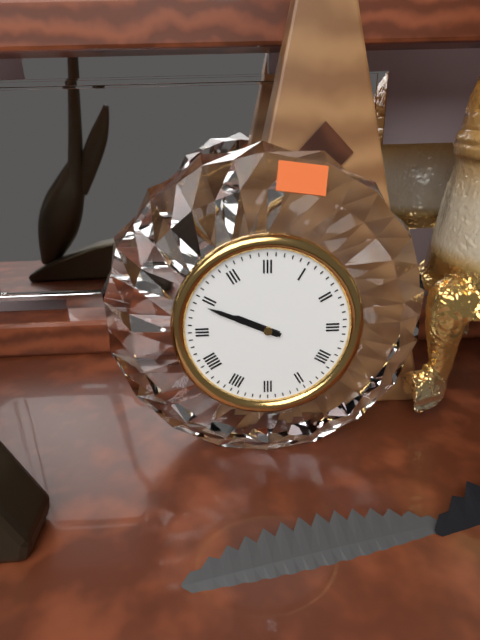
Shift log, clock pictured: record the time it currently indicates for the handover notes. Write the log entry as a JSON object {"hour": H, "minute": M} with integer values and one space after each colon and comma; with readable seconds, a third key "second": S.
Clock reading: {"hour": 9, "minute": 49}
